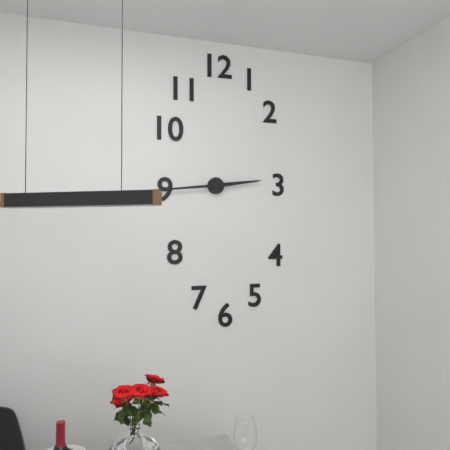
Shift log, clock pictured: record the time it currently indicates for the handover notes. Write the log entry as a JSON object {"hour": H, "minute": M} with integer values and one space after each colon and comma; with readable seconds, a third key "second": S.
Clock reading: {"hour": 2, "minute": 44}
